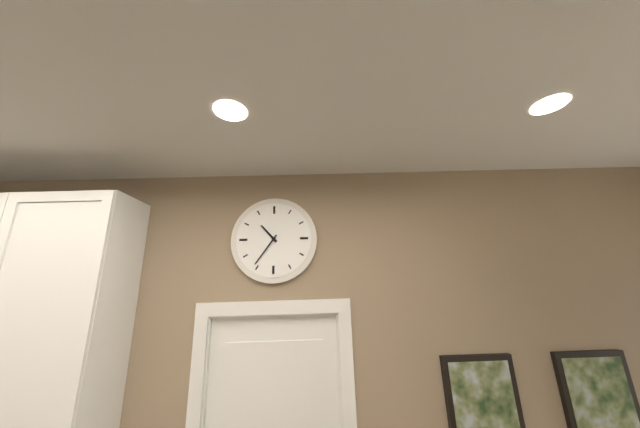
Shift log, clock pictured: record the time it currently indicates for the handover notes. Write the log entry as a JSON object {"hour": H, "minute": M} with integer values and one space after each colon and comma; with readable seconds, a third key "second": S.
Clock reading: {"hour": 10, "minute": 36}
